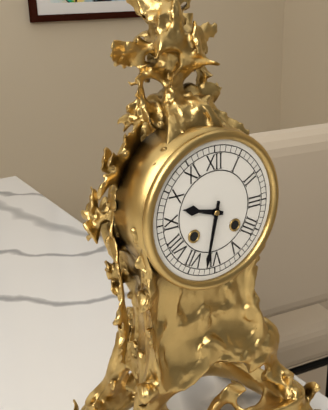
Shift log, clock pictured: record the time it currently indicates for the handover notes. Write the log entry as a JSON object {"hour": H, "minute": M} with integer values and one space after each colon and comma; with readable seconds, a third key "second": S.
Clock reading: {"hour": 9, "minute": 32}
